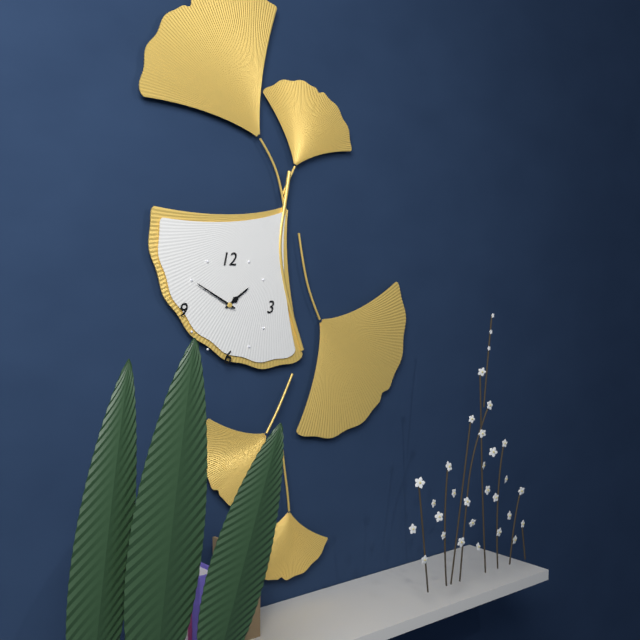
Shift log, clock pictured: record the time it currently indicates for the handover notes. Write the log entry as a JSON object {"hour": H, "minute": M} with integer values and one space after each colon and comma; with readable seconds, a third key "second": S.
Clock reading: {"hour": 1, "minute": 50}
